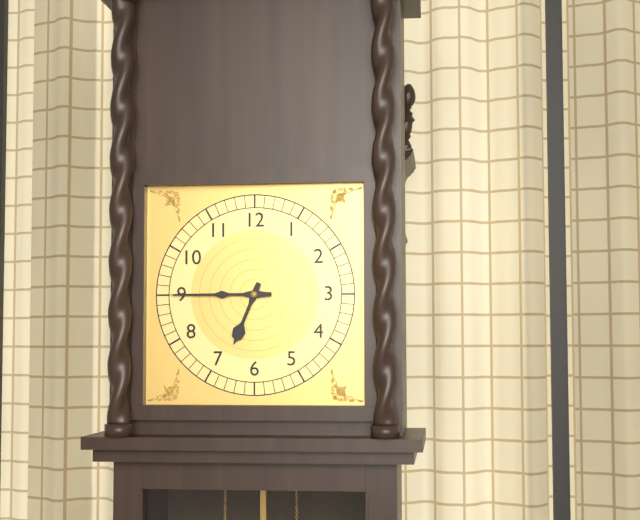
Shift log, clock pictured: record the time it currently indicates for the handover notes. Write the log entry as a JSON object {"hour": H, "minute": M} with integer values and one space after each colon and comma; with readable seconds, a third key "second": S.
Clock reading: {"hour": 6, "minute": 45}
